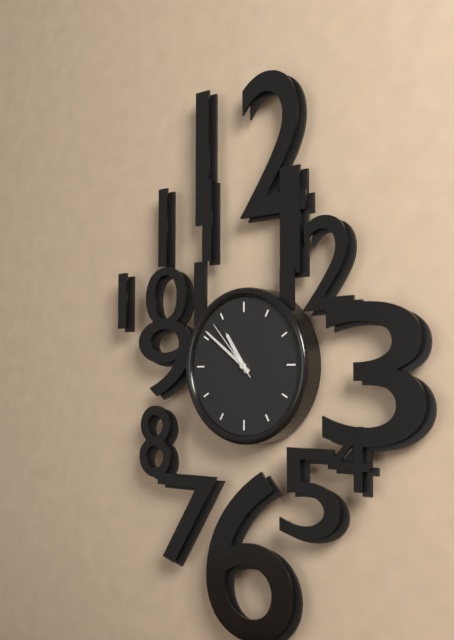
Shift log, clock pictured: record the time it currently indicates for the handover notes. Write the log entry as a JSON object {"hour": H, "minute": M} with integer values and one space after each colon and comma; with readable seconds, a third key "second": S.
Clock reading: {"hour": 10, "minute": 51, "second": 53}
